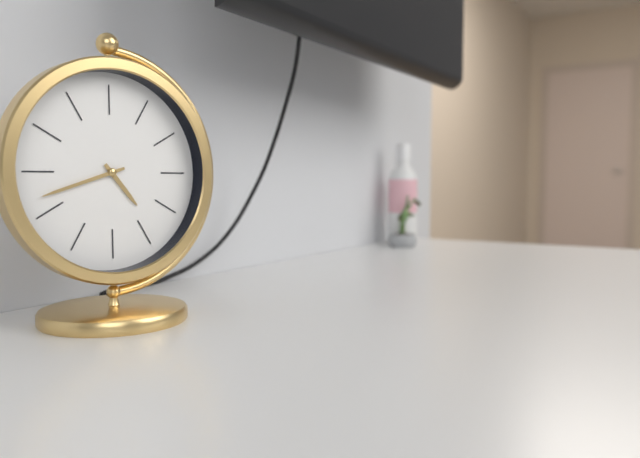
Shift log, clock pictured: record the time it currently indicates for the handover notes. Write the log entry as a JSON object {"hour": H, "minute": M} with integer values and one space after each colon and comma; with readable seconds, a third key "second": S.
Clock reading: {"hour": 4, "minute": 42}
